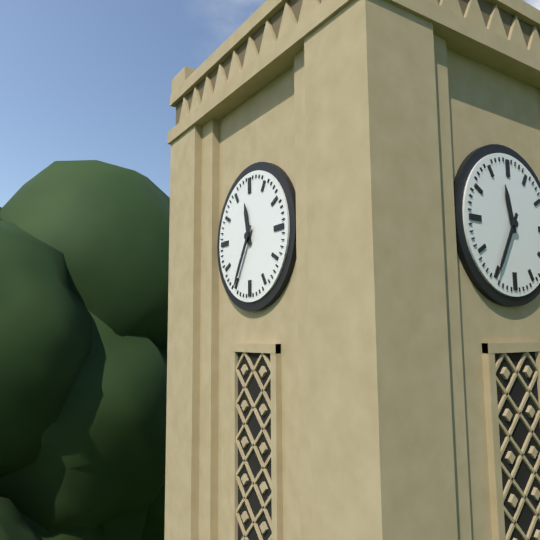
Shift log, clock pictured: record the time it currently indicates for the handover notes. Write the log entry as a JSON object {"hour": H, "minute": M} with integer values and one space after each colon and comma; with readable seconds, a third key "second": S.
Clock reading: {"hour": 11, "minute": 35}
